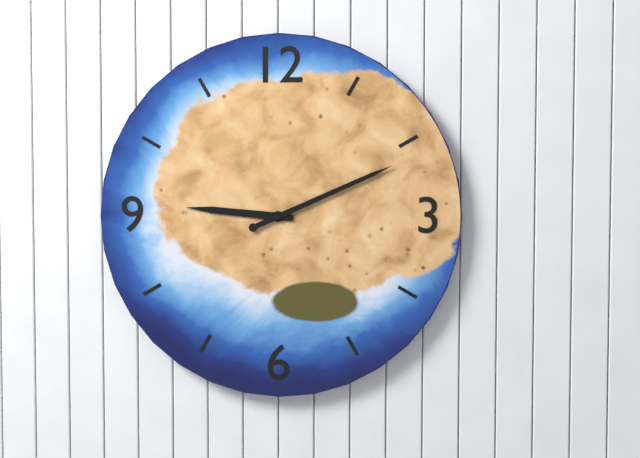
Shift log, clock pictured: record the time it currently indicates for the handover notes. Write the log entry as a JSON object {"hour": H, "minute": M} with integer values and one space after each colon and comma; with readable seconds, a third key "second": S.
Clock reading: {"hour": 9, "minute": 11}
